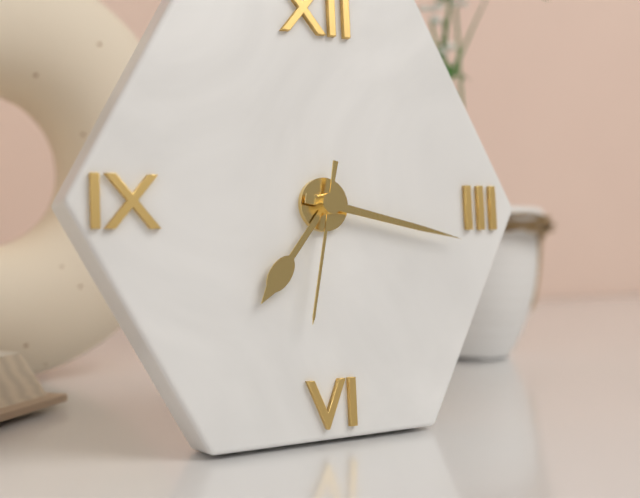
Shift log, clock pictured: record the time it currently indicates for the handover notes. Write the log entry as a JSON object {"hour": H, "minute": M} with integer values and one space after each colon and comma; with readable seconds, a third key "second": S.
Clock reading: {"hour": 7, "minute": 17, "second": 32}
